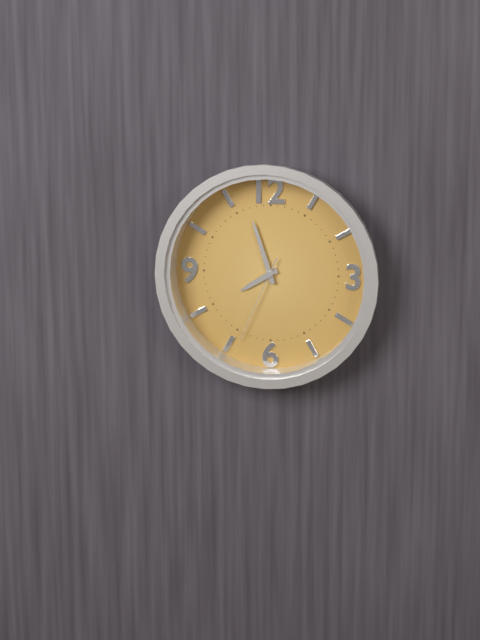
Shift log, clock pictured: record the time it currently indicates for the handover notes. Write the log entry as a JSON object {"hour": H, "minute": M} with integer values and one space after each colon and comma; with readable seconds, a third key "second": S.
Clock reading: {"hour": 7, "minute": 57, "second": 34}
